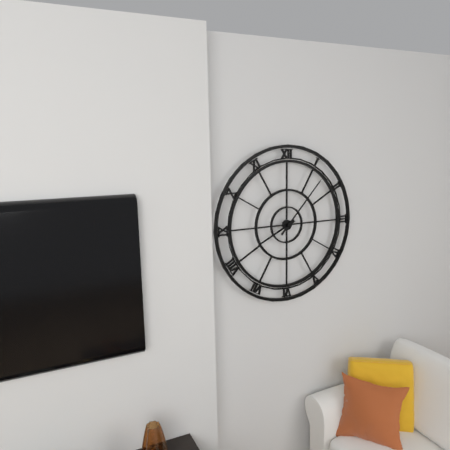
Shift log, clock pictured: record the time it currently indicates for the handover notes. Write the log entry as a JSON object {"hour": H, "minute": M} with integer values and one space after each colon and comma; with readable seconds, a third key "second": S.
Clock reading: {"hour": 8, "minute": 7}
